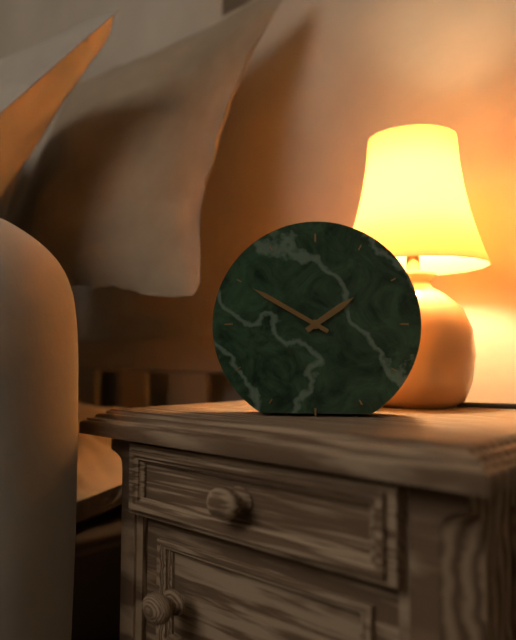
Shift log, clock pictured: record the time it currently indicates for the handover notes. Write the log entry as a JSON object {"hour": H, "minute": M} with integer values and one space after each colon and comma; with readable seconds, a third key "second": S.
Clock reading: {"hour": 1, "minute": 50}
